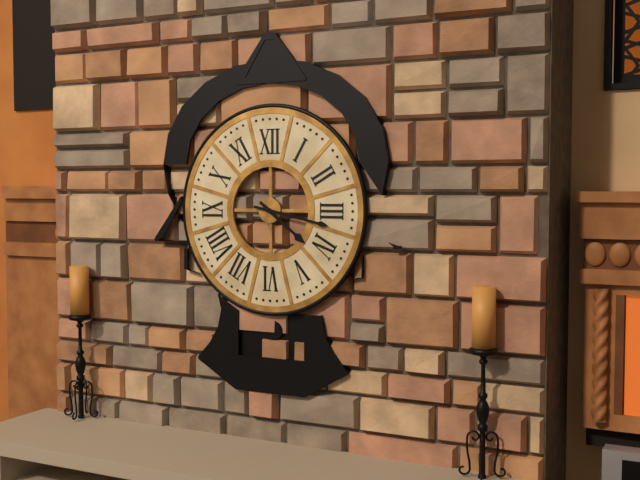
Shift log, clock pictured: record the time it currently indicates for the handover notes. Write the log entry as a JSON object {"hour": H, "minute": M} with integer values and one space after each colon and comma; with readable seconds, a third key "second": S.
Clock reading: {"hour": 4, "minute": 17}
